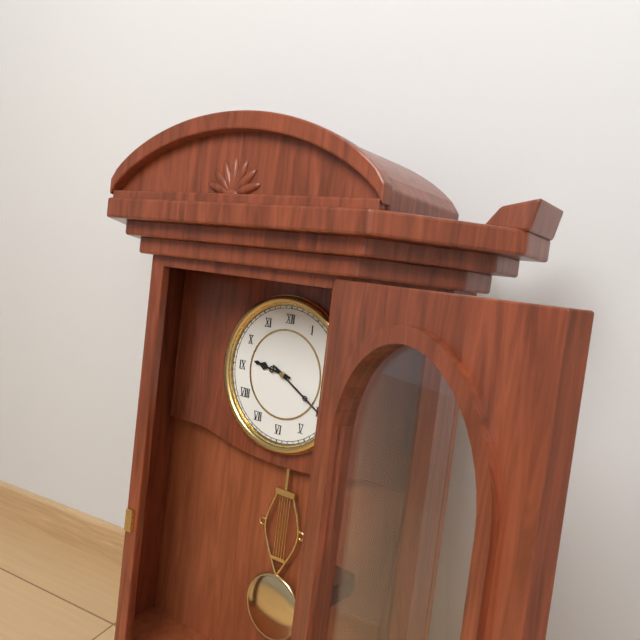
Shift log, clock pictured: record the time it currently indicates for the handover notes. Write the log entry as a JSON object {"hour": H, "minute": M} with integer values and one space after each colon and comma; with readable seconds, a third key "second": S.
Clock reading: {"hour": 9, "minute": 20}
